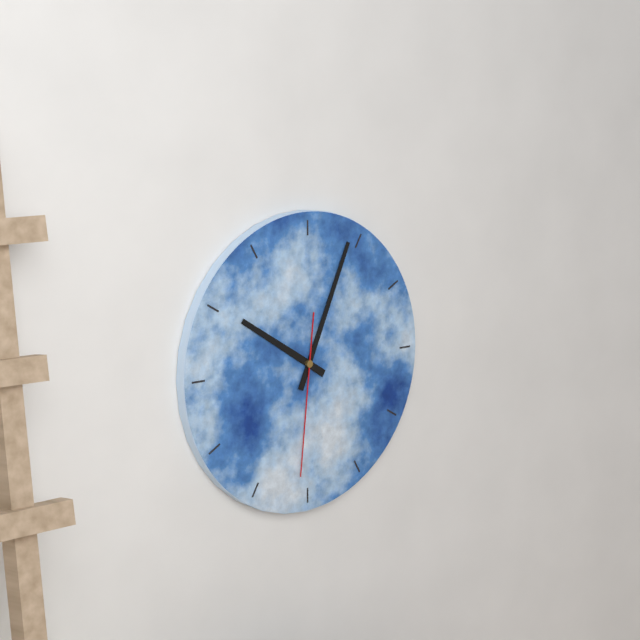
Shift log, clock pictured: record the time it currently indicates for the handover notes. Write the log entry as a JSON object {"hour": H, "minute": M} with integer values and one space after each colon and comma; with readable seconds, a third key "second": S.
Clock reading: {"hour": 10, "minute": 4, "second": 31}
